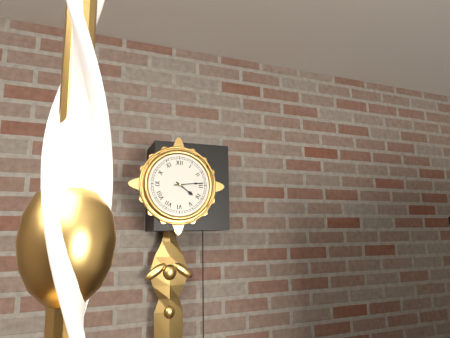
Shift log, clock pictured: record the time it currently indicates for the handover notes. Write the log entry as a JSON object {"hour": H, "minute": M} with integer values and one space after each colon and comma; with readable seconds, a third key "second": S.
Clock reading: {"hour": 4, "minute": 14}
